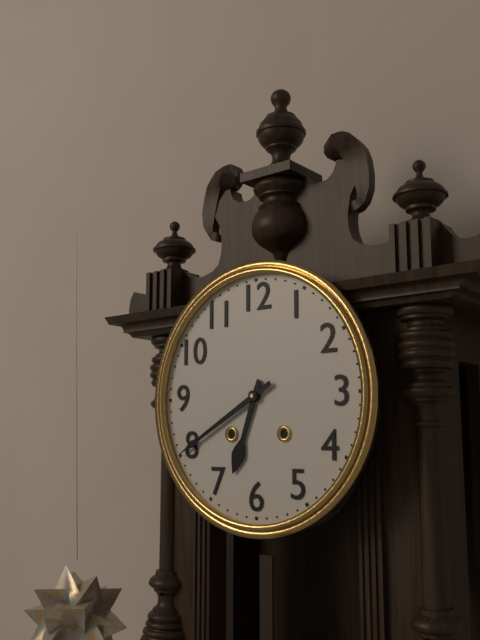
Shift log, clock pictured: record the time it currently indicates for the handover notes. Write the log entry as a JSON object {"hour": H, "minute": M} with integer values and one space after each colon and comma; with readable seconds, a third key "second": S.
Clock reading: {"hour": 6, "minute": 40}
